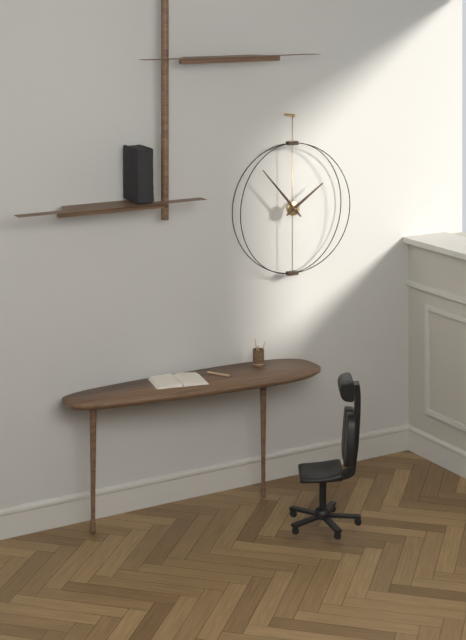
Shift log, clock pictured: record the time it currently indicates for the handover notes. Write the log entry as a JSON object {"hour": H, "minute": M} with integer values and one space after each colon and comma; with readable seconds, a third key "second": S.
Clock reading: {"hour": 1, "minute": 53}
